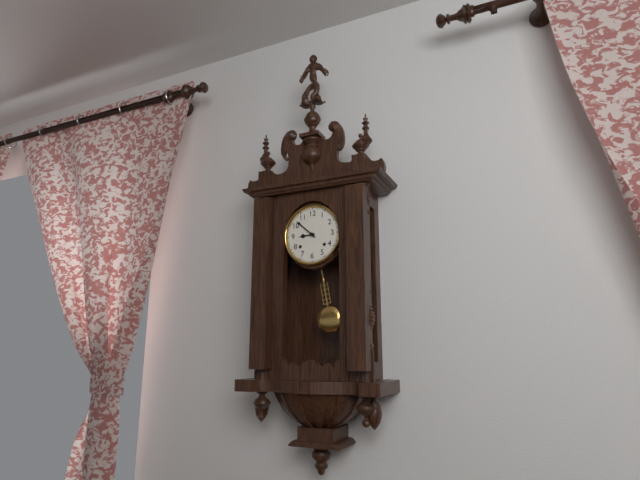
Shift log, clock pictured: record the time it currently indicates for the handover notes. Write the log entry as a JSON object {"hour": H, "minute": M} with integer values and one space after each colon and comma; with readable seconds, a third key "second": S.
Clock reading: {"hour": 8, "minute": 52}
